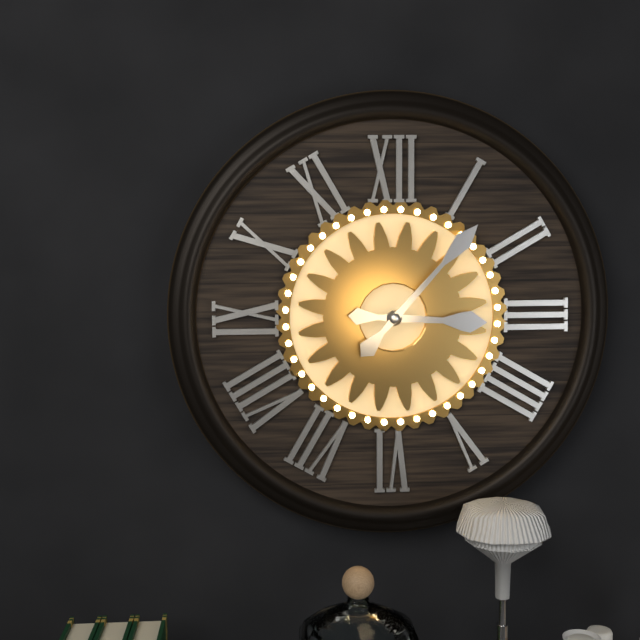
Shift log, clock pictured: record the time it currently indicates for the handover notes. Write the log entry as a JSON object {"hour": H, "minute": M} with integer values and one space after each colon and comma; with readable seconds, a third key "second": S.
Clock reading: {"hour": 3, "minute": 7}
